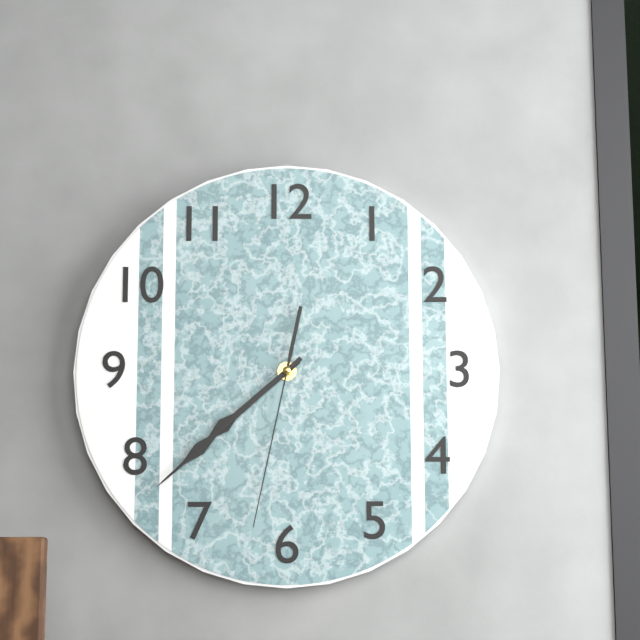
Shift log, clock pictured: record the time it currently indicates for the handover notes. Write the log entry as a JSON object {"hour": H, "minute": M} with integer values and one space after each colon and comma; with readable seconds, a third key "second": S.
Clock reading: {"hour": 7, "minute": 38, "second": 32}
